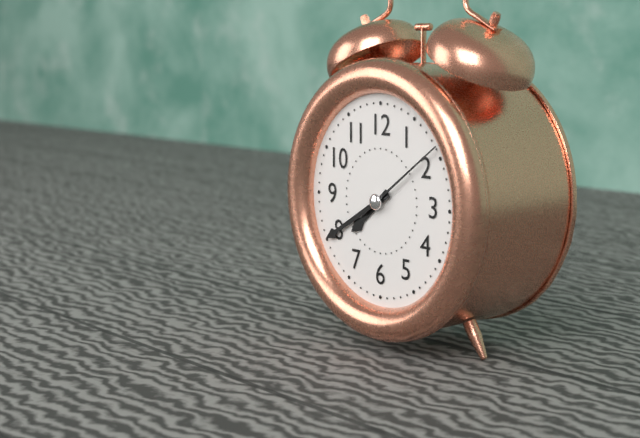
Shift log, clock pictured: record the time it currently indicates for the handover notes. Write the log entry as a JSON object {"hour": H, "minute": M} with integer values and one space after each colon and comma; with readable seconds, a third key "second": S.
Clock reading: {"hour": 7, "minute": 40, "second": 9}
